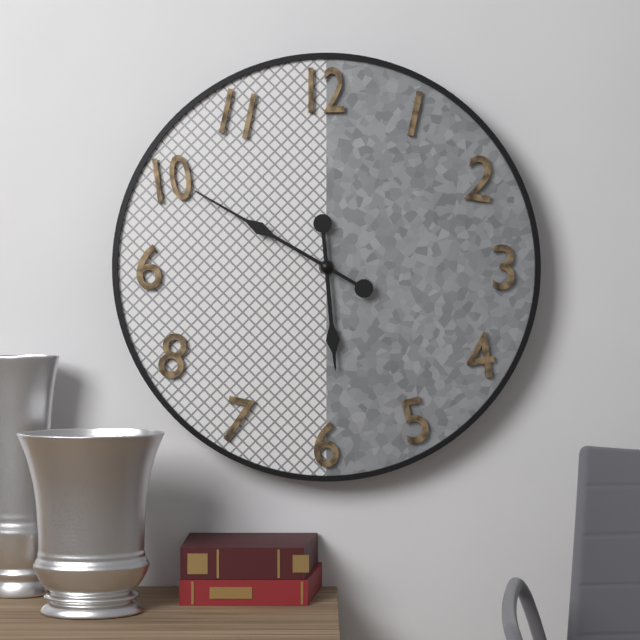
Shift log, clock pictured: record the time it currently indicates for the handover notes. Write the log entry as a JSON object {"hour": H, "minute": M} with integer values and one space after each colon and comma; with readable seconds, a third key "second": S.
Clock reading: {"hour": 5, "minute": 50}
